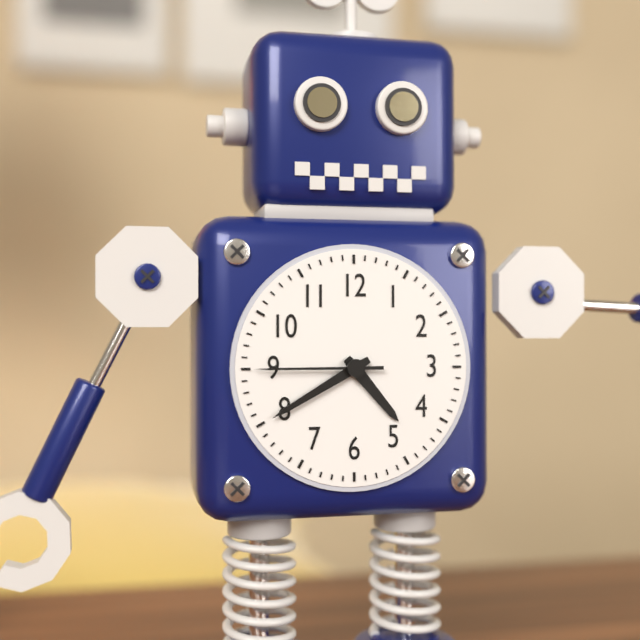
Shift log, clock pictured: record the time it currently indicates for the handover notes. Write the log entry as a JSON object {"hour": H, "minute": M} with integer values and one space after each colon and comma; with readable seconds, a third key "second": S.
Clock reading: {"hour": 4, "minute": 40, "second": 45}
